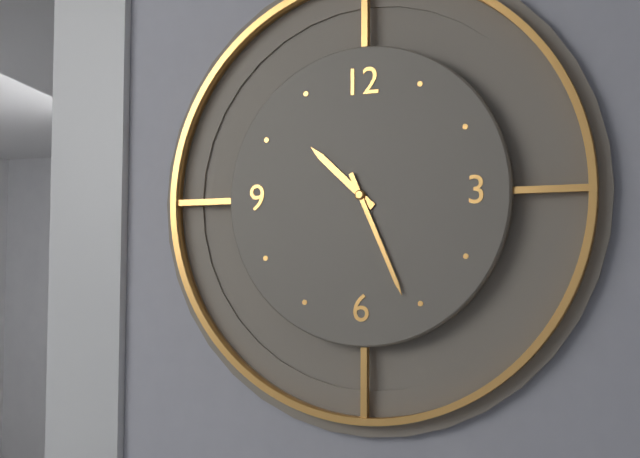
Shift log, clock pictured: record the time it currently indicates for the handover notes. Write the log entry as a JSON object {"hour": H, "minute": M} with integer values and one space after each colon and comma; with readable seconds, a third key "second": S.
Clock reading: {"hour": 10, "minute": 26}
